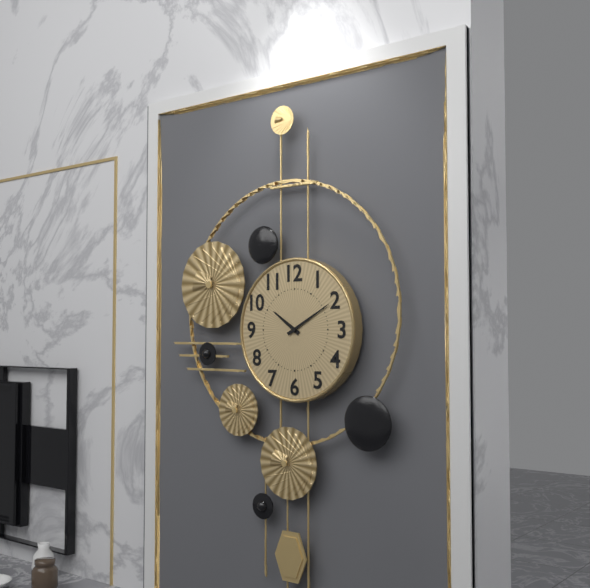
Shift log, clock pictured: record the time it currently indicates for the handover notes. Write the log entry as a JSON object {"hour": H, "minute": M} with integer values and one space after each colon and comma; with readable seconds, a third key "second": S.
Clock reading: {"hour": 10, "minute": 10}
